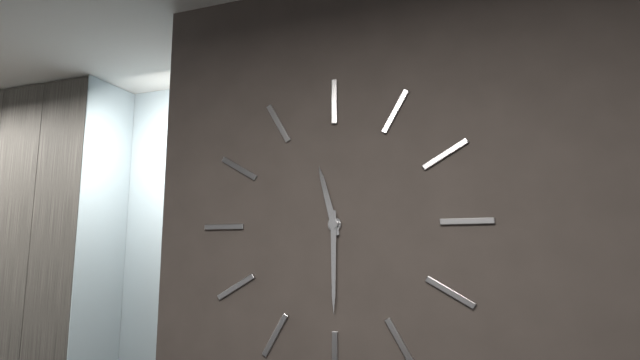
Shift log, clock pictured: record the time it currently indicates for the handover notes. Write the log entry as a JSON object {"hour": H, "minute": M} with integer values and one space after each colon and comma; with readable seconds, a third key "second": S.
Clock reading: {"hour": 11, "minute": 30}
